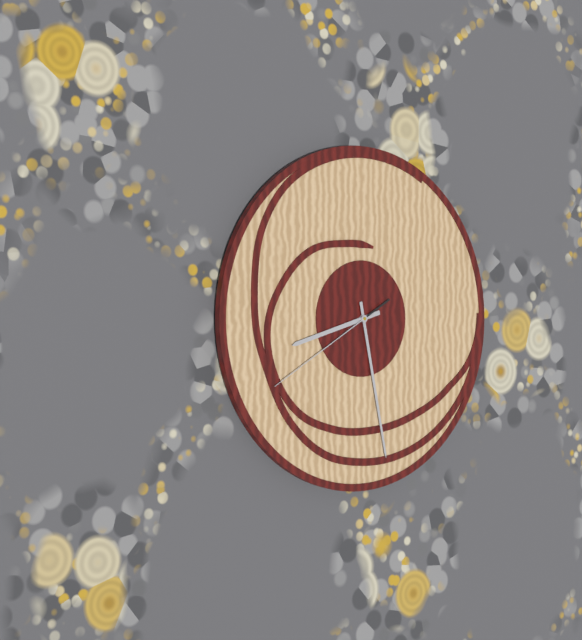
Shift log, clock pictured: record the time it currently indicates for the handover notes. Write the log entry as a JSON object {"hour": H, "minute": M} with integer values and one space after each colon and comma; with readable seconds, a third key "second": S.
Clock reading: {"hour": 8, "minute": 28, "second": 40}
